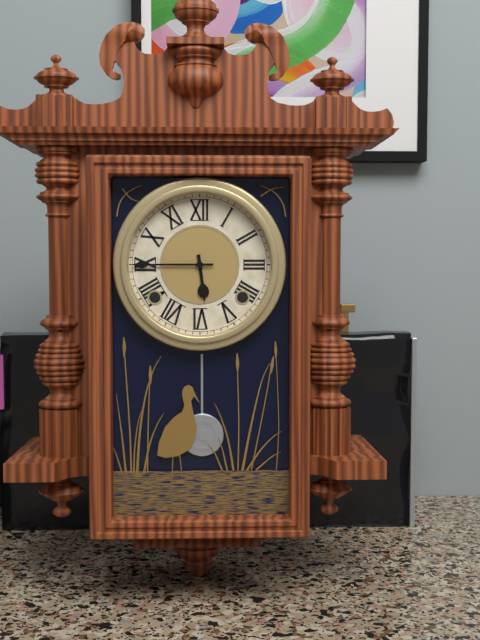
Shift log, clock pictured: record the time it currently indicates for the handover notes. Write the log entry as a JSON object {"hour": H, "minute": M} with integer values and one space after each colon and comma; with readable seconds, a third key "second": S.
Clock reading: {"hour": 5, "minute": 45}
